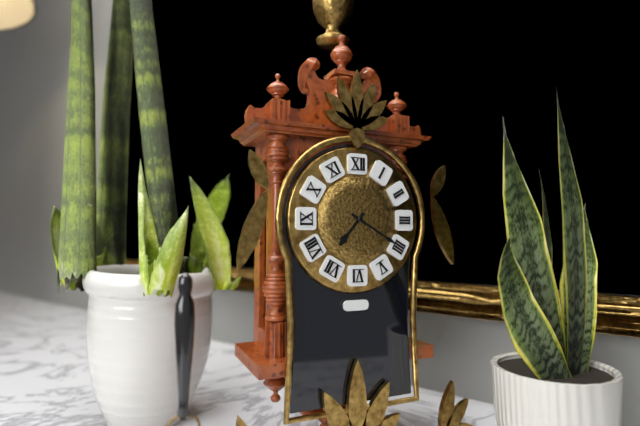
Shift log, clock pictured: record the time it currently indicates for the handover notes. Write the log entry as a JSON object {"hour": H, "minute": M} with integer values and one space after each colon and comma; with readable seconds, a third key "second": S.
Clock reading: {"hour": 7, "minute": 20}
